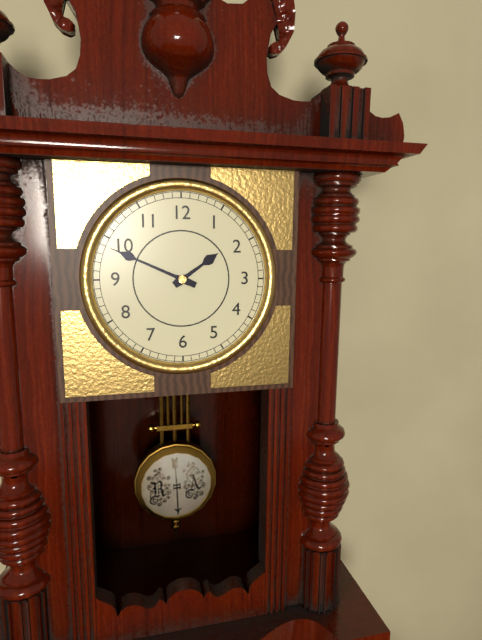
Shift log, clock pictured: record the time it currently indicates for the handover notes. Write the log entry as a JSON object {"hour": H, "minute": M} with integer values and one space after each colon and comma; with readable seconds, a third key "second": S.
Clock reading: {"hour": 1, "minute": 49}
